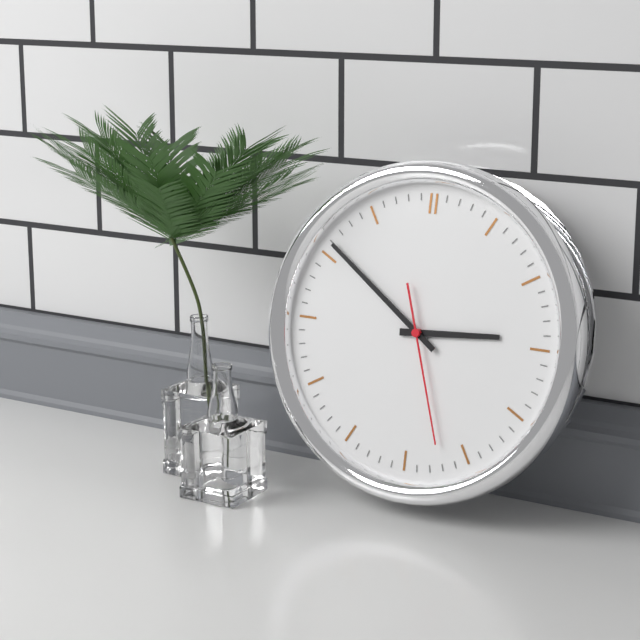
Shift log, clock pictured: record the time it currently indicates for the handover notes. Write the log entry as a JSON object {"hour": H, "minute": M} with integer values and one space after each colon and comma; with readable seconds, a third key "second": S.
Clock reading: {"hour": 2, "minute": 51, "second": 27}
